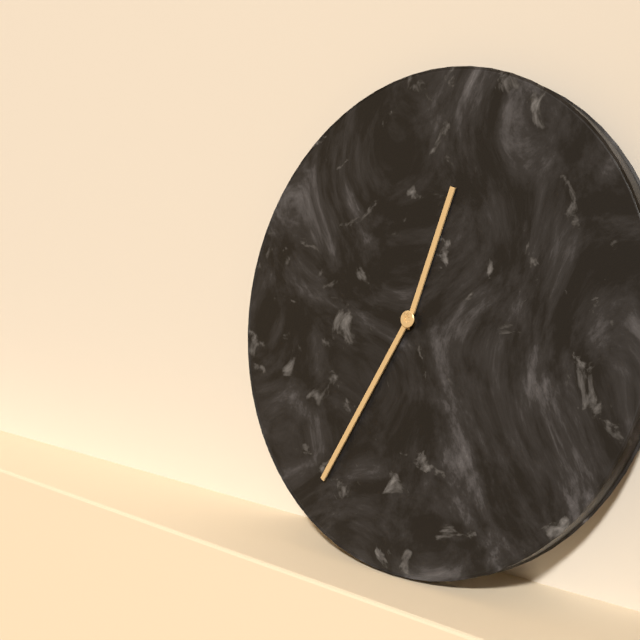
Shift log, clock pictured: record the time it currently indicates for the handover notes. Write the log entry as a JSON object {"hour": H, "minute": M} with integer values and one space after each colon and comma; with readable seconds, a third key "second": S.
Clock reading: {"hour": 12, "minute": 35}
